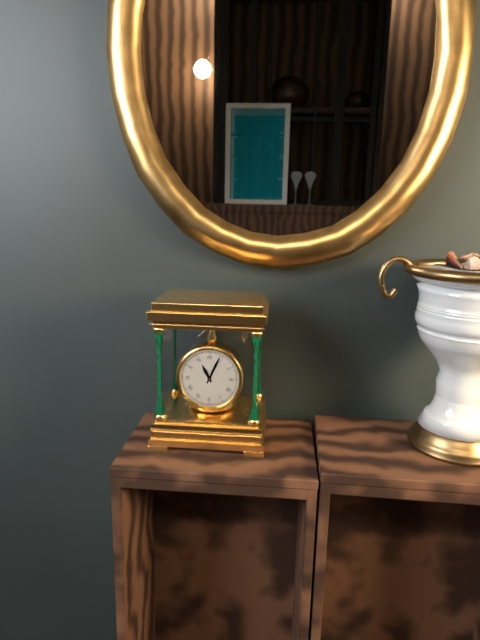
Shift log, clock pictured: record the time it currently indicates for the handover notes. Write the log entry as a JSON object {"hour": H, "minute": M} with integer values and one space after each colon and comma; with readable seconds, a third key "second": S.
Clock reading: {"hour": 11, "minute": 4}
